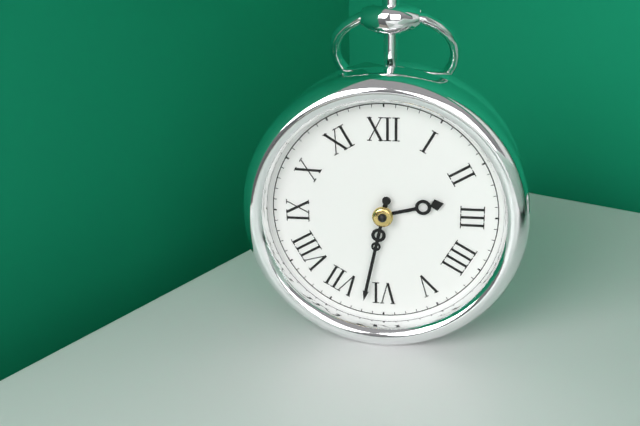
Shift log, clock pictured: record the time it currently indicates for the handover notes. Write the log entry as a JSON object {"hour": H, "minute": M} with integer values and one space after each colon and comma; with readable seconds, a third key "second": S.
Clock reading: {"hour": 2, "minute": 32}
